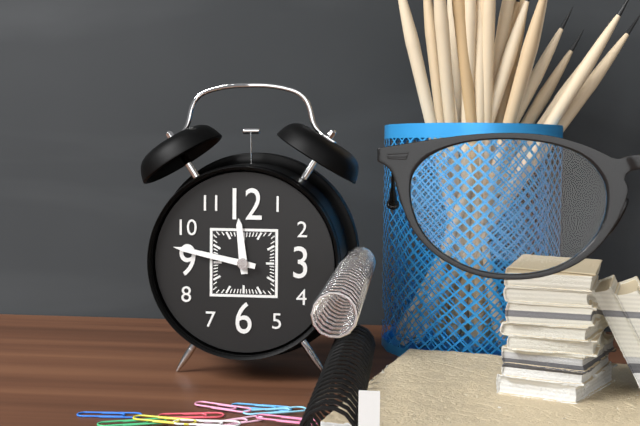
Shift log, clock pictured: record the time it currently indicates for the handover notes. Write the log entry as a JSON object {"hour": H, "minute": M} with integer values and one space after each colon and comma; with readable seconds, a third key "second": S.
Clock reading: {"hour": 11, "minute": 47}
